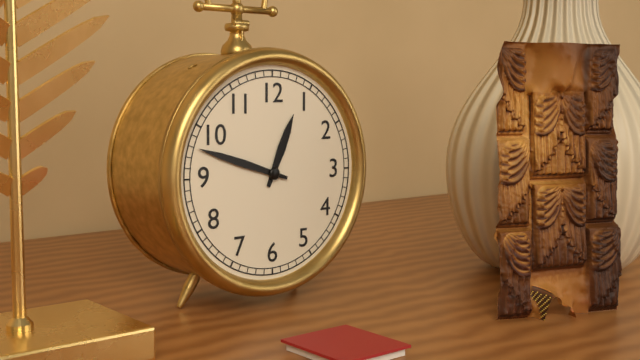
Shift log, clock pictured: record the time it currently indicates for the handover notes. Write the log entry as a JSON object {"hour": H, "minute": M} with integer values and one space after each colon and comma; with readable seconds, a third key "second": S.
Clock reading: {"hour": 12, "minute": 48}
